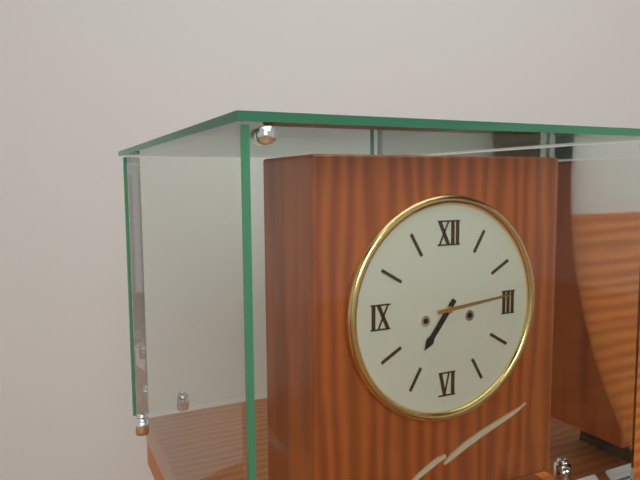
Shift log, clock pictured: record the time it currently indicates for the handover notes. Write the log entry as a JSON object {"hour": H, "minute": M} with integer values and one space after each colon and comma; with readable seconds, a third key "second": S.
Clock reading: {"hour": 7, "minute": 14}
